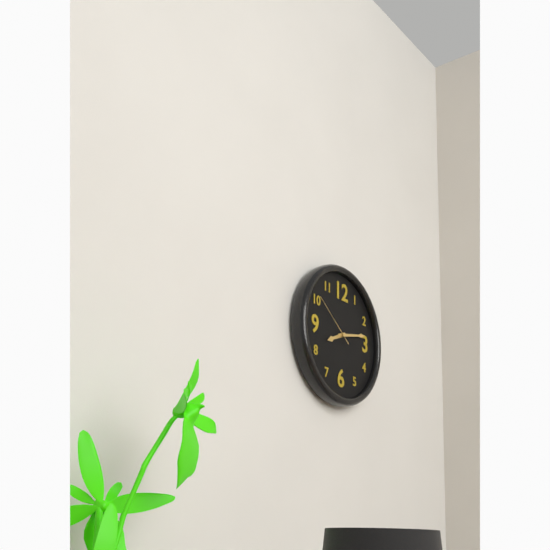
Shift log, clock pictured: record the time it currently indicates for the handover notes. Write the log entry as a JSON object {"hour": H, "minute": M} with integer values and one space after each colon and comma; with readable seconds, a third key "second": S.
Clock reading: {"hour": 8, "minute": 13, "second": 51}
